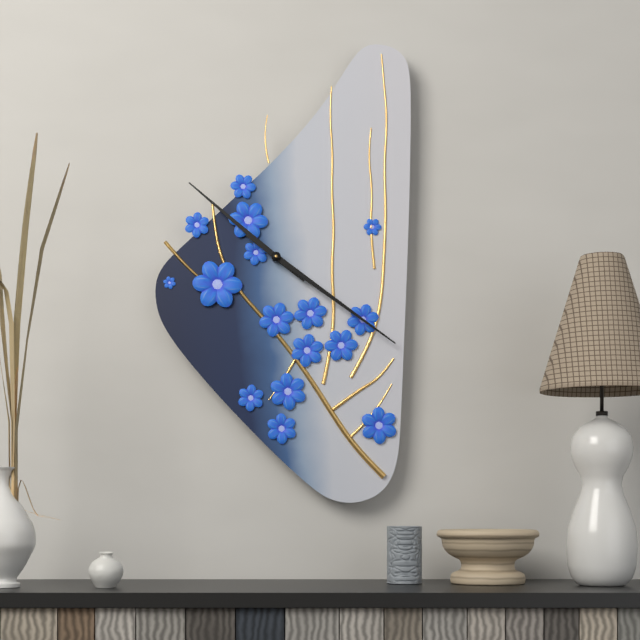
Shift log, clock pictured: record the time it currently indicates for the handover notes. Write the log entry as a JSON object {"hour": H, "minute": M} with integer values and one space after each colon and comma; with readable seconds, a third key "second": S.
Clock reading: {"hour": 10, "minute": 21}
